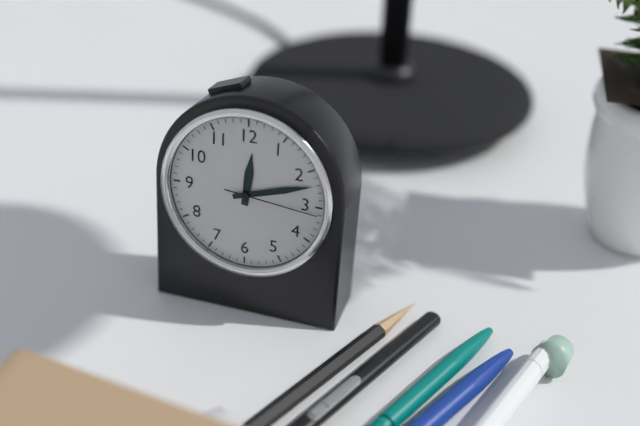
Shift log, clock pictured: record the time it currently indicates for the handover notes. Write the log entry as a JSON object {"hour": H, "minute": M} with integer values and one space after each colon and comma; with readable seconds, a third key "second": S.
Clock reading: {"hour": 12, "minute": 12, "second": 16}
